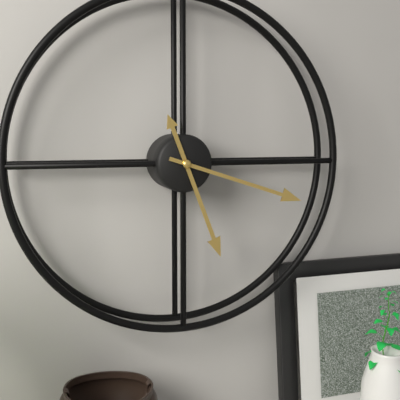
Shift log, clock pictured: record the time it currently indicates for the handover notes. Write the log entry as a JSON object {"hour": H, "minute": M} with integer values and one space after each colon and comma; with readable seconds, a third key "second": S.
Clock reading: {"hour": 5, "minute": 18}
